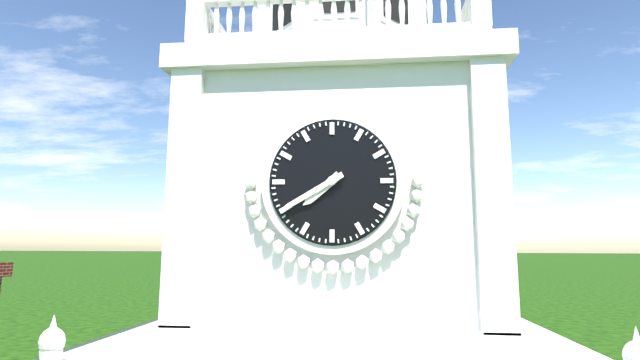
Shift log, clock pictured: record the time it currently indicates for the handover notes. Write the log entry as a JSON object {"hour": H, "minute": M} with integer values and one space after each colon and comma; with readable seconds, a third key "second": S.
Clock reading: {"hour": 7, "minute": 40}
